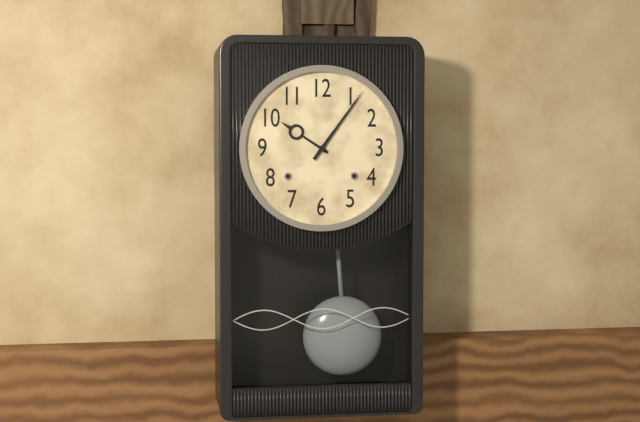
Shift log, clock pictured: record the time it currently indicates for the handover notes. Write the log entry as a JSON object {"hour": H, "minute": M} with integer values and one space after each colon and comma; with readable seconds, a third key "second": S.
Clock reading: {"hour": 10, "minute": 6}
